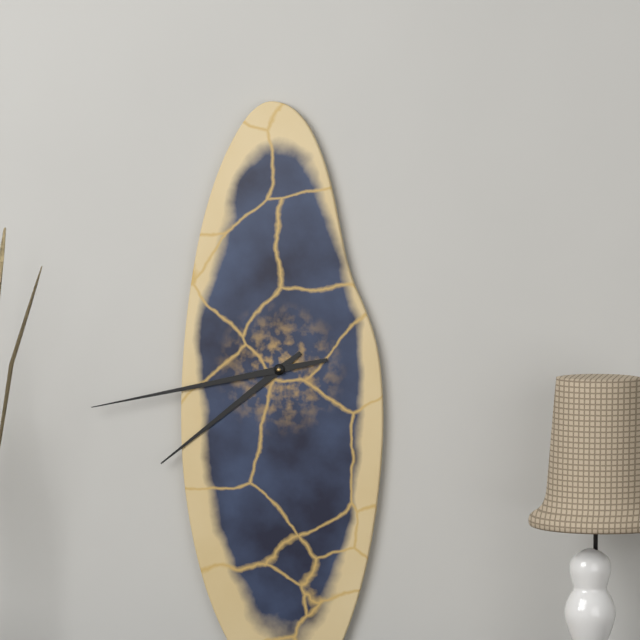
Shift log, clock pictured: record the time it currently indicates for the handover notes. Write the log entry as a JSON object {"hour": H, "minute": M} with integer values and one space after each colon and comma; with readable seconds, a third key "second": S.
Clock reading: {"hour": 7, "minute": 43}
